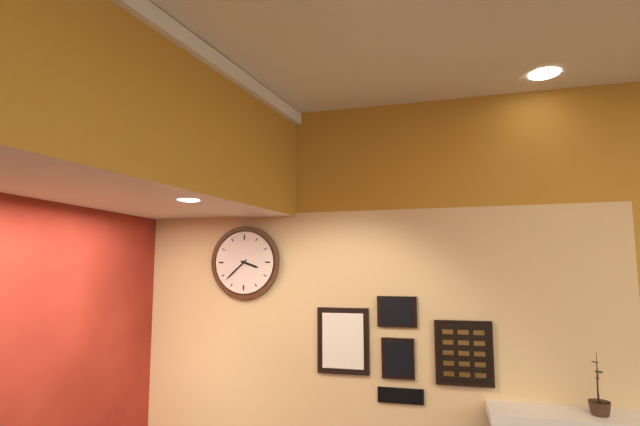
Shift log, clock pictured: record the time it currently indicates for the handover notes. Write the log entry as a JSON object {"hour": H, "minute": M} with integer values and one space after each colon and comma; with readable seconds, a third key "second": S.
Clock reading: {"hour": 3, "minute": 38}
